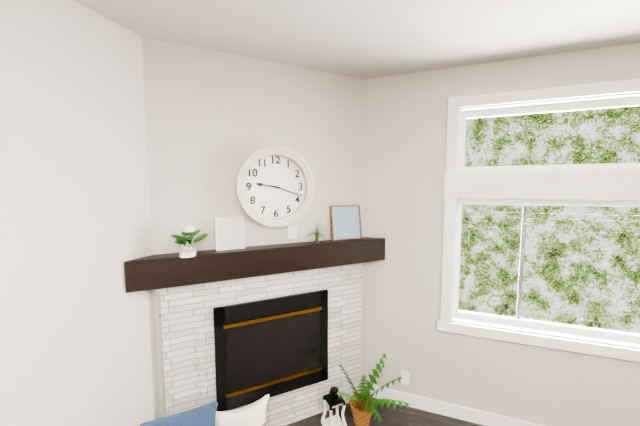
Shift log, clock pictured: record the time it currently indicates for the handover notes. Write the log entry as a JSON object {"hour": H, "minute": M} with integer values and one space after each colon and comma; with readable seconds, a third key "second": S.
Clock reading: {"hour": 9, "minute": 18}
